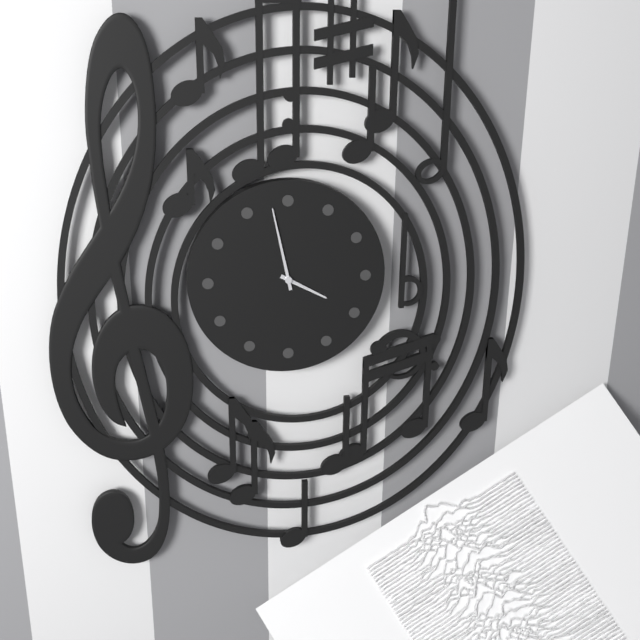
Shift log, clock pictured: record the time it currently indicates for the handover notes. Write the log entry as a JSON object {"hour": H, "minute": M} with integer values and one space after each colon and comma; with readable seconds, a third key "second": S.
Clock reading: {"hour": 3, "minute": 58}
